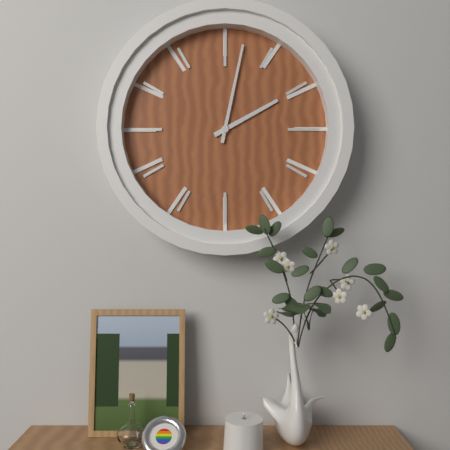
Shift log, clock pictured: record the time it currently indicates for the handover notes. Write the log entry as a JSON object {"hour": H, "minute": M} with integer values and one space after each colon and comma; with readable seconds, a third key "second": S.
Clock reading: {"hour": 2, "minute": 2}
